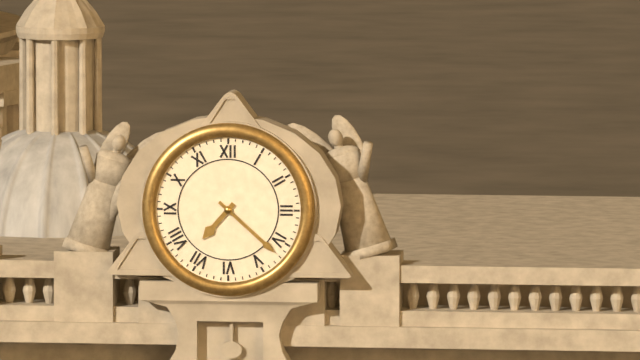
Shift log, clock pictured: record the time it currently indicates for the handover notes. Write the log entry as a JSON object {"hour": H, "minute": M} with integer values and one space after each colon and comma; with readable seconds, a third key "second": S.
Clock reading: {"hour": 7, "minute": 22}
